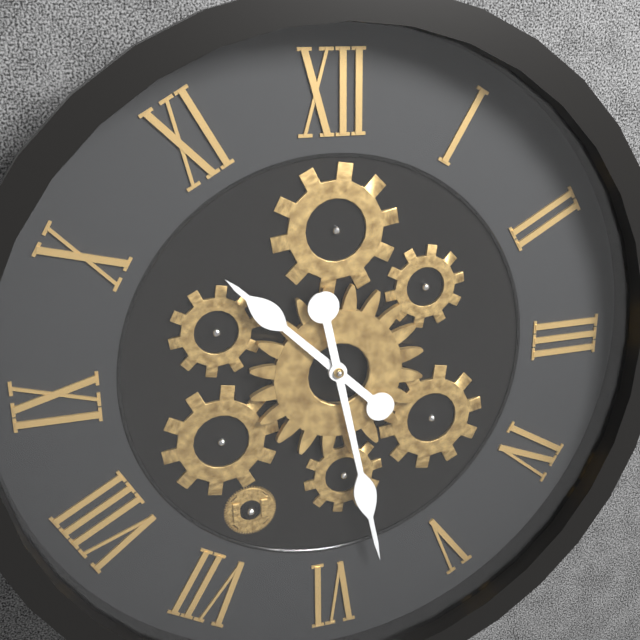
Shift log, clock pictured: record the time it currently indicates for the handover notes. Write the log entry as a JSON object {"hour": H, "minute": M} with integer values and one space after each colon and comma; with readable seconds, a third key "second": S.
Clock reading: {"hour": 10, "minute": 28}
